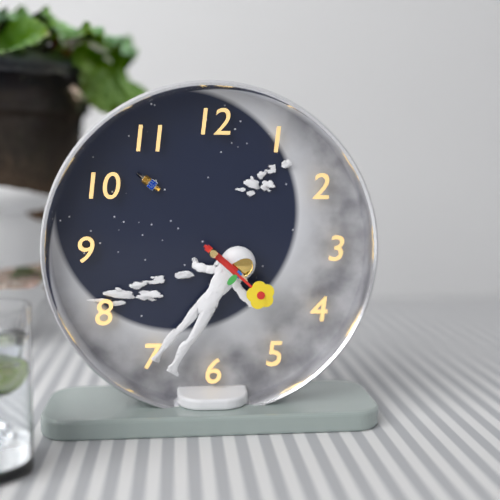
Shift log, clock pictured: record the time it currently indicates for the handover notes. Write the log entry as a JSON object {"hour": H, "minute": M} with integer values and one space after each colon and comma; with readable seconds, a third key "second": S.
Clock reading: {"hour": 4, "minute": 22}
